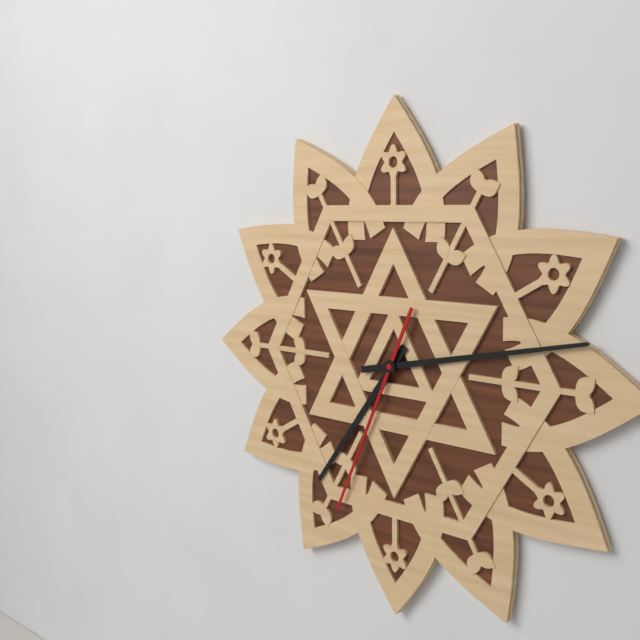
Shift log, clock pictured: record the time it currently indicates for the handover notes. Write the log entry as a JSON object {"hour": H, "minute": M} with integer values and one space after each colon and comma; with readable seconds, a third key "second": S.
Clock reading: {"hour": 7, "minute": 13, "second": 34}
